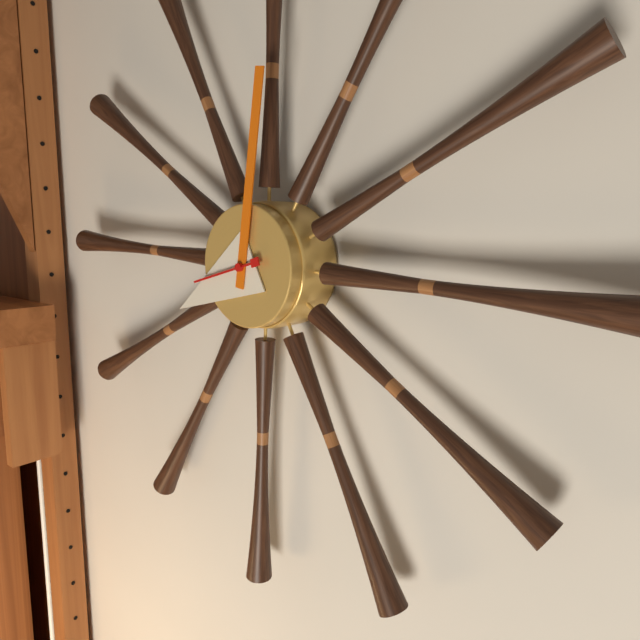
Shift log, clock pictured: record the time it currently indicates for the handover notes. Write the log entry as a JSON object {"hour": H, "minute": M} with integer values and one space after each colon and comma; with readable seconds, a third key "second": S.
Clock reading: {"hour": 8, "minute": 1, "second": 42}
